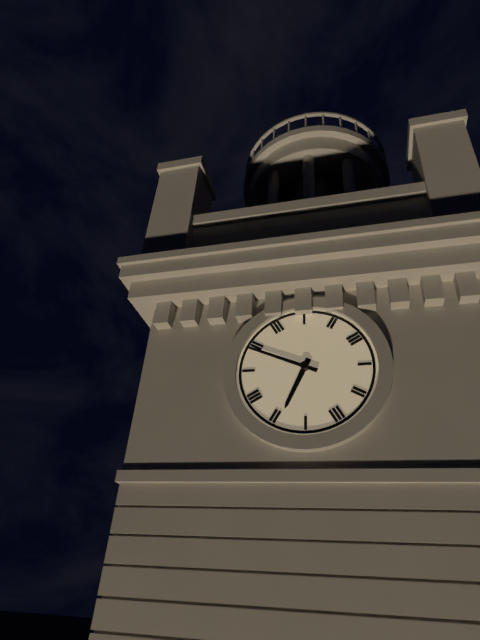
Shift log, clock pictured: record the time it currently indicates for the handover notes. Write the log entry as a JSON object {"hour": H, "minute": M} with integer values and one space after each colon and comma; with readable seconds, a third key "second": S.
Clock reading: {"hour": 6, "minute": 49}
